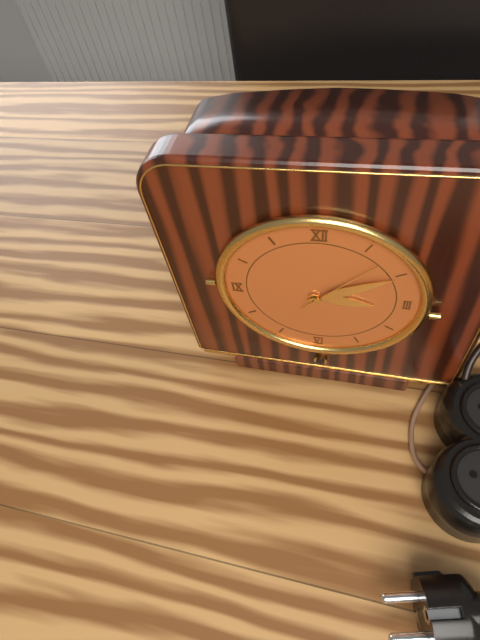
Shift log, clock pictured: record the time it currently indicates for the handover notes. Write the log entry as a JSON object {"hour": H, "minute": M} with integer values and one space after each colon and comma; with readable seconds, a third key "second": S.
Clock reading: {"hour": 3, "minute": 10, "second": 7}
